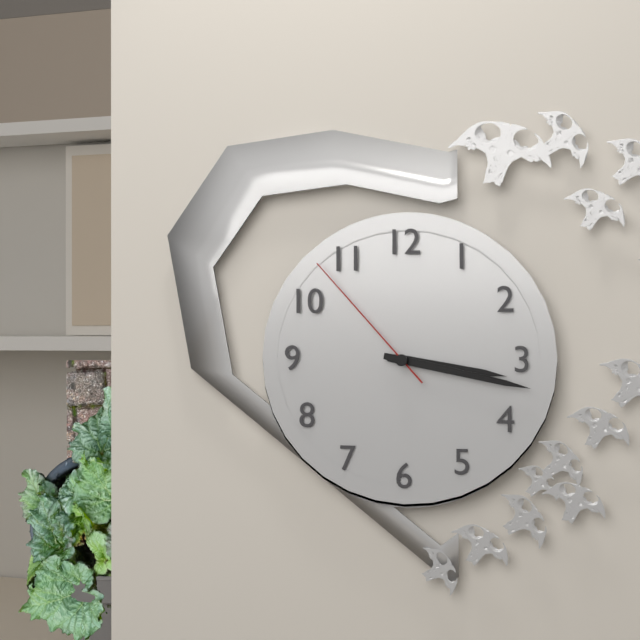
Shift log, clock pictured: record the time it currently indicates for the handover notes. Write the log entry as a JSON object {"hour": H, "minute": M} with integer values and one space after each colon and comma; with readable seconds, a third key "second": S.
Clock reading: {"hour": 3, "minute": 17, "second": 53}
